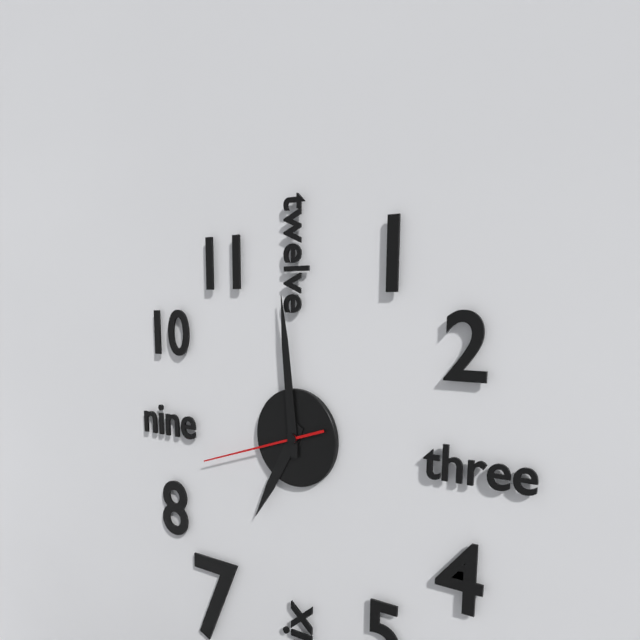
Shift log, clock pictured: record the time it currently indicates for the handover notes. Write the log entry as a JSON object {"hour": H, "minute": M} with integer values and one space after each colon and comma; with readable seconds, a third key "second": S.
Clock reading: {"hour": 6, "minute": 59, "second": 42}
